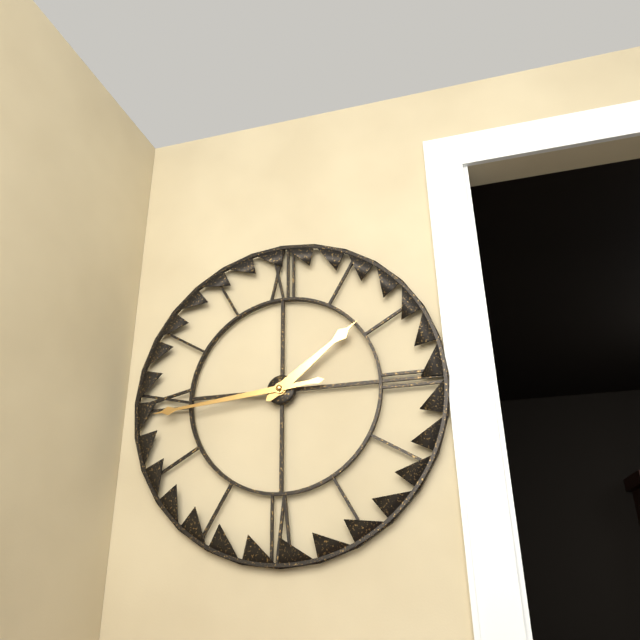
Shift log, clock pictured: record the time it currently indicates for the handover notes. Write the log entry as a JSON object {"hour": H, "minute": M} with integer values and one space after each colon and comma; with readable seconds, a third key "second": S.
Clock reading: {"hour": 1, "minute": 44}
